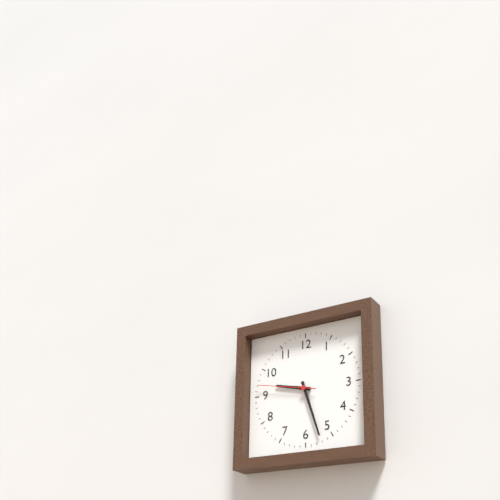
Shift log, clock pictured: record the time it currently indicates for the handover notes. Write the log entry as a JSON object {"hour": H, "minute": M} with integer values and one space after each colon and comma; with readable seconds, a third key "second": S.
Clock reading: {"hour": 9, "minute": 27, "second": 47}
